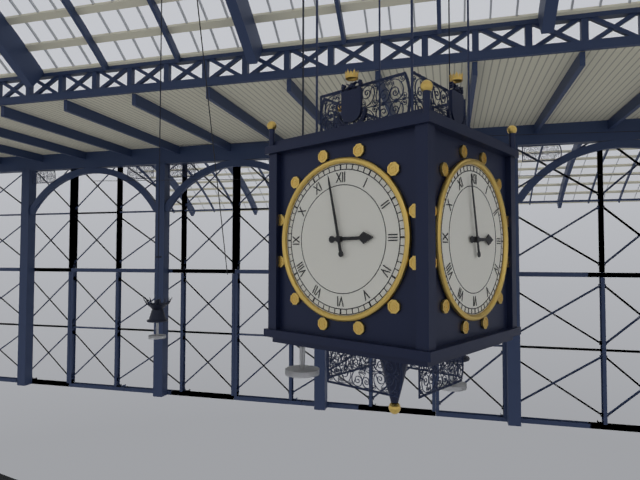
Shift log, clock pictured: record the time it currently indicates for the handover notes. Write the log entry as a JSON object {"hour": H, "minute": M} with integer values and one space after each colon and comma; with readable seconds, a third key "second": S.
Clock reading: {"hour": 2, "minute": 58}
